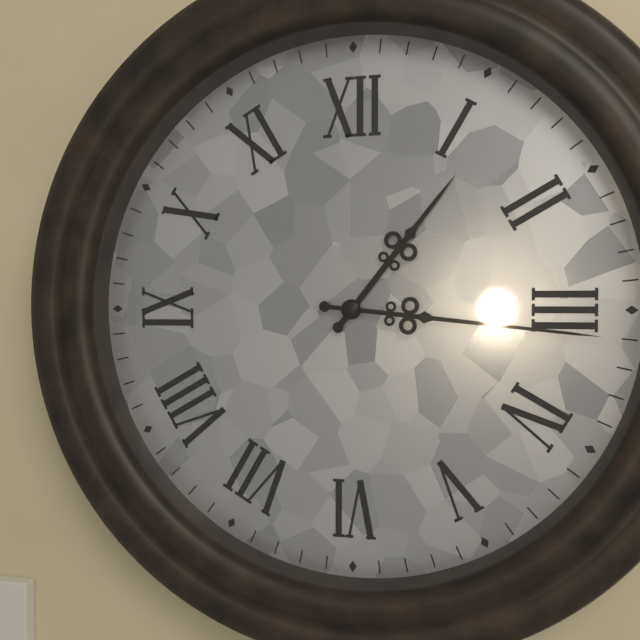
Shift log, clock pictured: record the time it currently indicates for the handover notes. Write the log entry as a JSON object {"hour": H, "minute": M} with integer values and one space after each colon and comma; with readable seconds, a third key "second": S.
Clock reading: {"hour": 1, "minute": 16}
